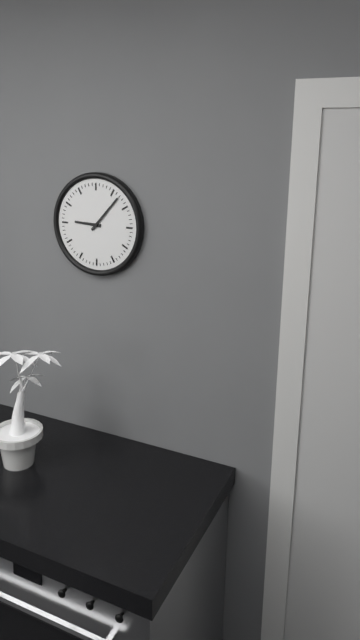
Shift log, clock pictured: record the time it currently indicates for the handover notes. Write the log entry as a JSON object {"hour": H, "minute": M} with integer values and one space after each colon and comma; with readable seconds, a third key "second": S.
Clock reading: {"hour": 9, "minute": 7}
